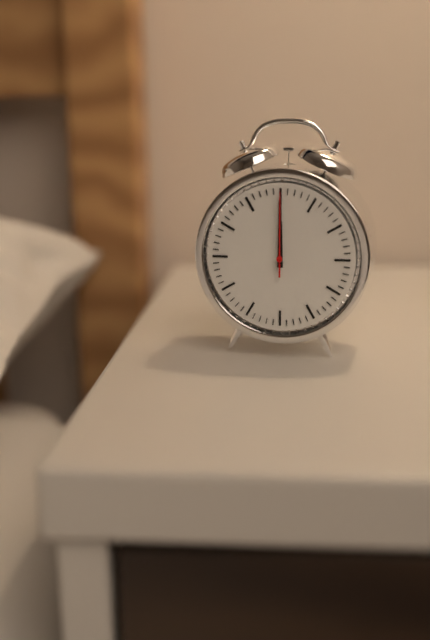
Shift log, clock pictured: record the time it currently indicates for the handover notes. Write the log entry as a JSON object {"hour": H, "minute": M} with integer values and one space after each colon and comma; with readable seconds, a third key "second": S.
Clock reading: {"hour": 12, "minute": 0, "second": 0}
